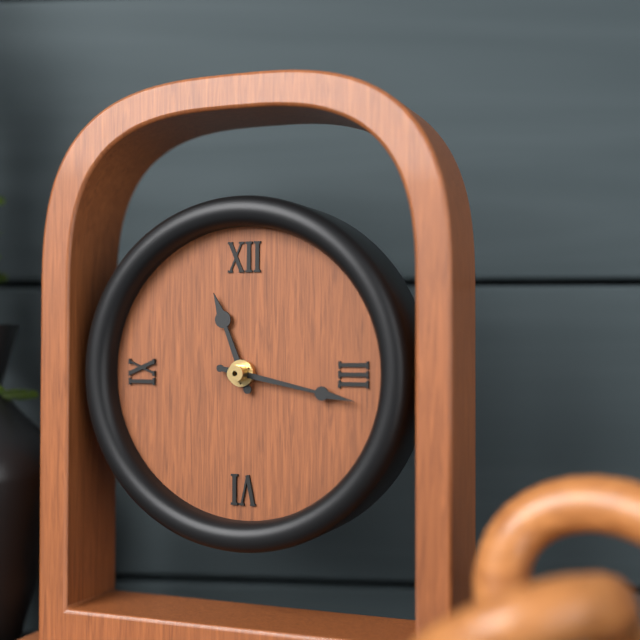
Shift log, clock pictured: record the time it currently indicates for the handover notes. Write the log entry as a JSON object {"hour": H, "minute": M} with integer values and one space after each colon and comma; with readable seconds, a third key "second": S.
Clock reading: {"hour": 11, "minute": 17}
